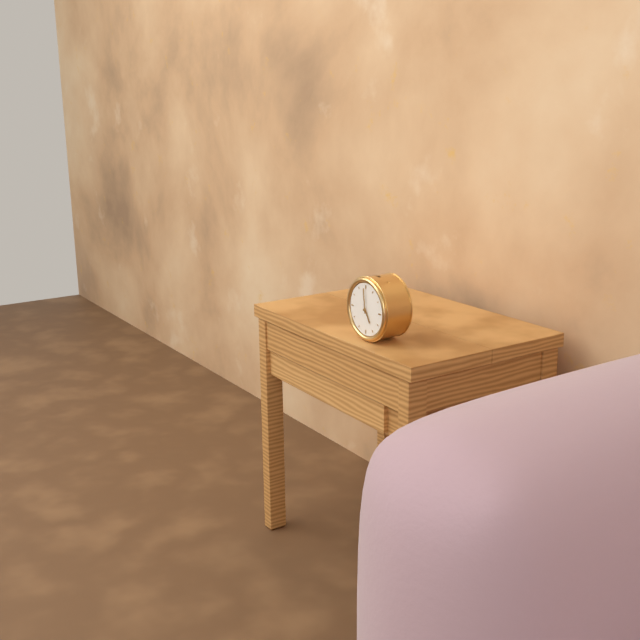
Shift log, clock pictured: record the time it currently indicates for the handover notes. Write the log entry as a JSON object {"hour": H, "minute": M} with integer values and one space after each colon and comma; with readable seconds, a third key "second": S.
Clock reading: {"hour": 4, "minute": 59}
